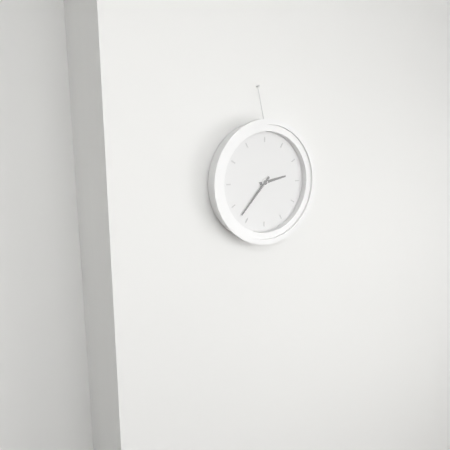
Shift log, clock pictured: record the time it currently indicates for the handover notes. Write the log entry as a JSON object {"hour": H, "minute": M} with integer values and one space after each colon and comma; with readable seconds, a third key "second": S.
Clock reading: {"hour": 2, "minute": 37}
